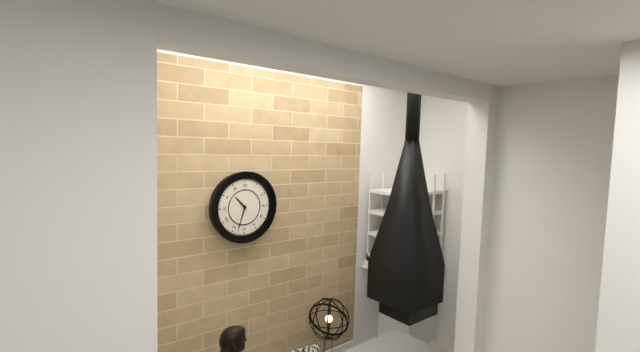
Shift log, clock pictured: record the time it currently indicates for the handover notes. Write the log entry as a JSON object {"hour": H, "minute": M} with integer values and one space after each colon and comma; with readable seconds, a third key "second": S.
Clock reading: {"hour": 10, "minute": 33}
